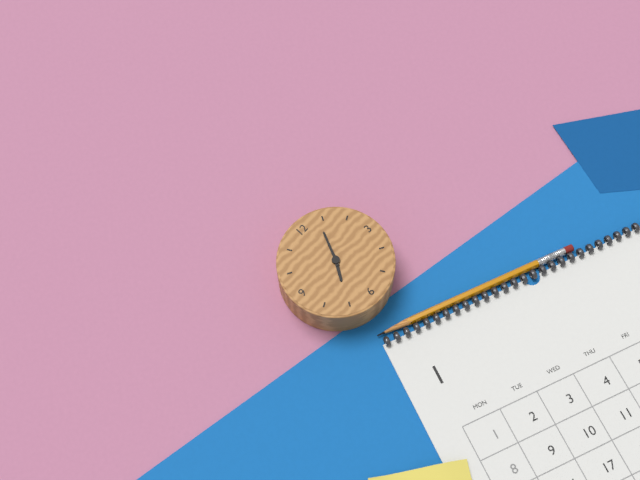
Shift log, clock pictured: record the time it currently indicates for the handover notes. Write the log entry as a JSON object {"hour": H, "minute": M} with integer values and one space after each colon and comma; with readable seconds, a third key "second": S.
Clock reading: {"hour": 7, "minute": 4}
